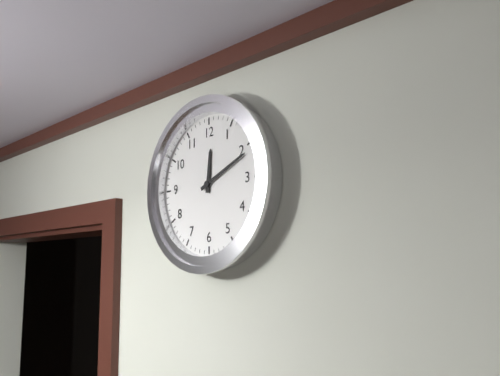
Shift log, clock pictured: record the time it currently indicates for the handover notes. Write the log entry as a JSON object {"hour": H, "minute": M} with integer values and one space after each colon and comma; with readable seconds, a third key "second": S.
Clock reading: {"hour": 12, "minute": 11}
